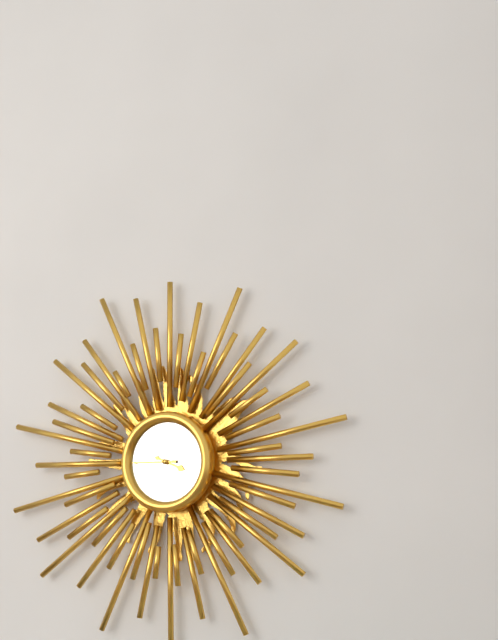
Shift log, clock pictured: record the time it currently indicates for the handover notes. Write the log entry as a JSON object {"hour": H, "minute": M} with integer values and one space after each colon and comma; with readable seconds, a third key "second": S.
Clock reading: {"hour": 3, "minute": 45}
